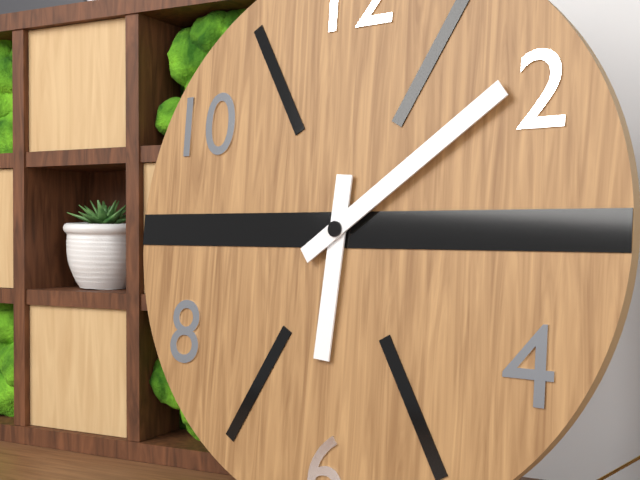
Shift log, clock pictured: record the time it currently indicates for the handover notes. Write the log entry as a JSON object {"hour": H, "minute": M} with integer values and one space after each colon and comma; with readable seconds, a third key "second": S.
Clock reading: {"hour": 6, "minute": 9}
